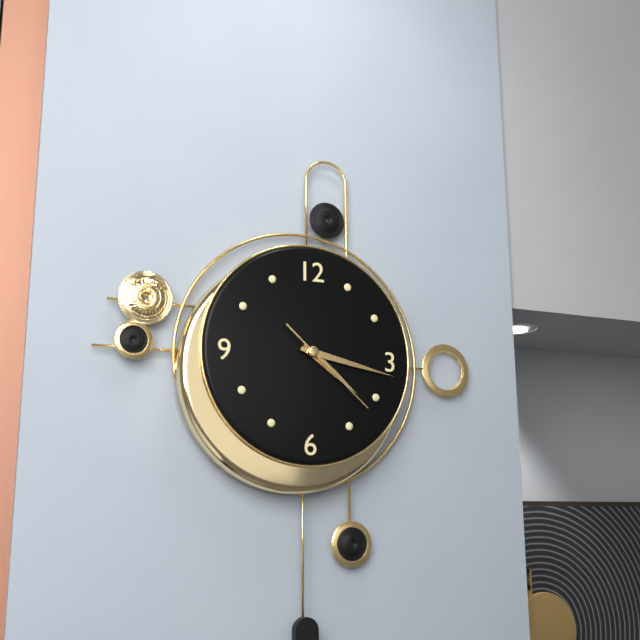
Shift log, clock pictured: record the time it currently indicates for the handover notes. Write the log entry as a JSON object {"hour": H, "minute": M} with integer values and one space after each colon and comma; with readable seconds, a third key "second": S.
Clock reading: {"hour": 4, "minute": 17, "second": 22}
